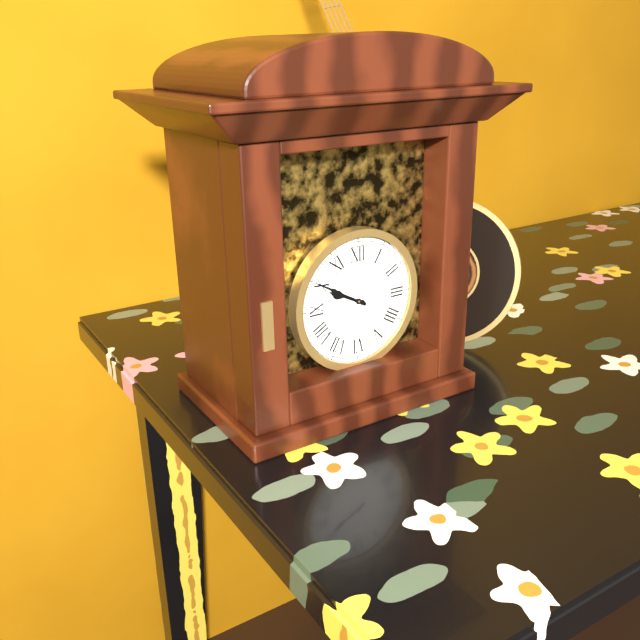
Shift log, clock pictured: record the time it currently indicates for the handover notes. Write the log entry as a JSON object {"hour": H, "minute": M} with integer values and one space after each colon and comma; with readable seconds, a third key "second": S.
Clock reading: {"hour": 9, "minute": 50}
